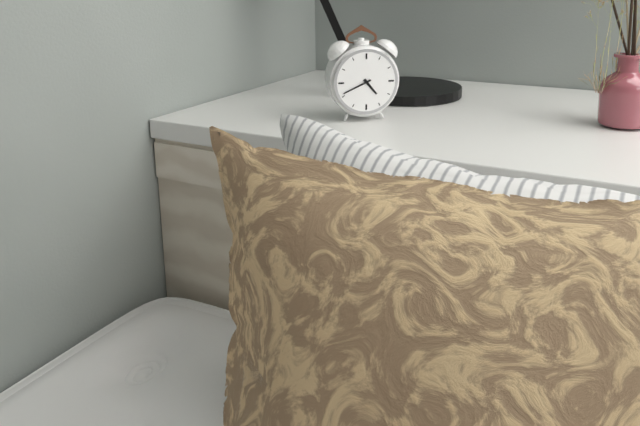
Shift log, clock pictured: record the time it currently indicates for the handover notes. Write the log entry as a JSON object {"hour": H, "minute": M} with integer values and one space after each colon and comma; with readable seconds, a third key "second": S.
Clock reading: {"hour": 4, "minute": 41}
